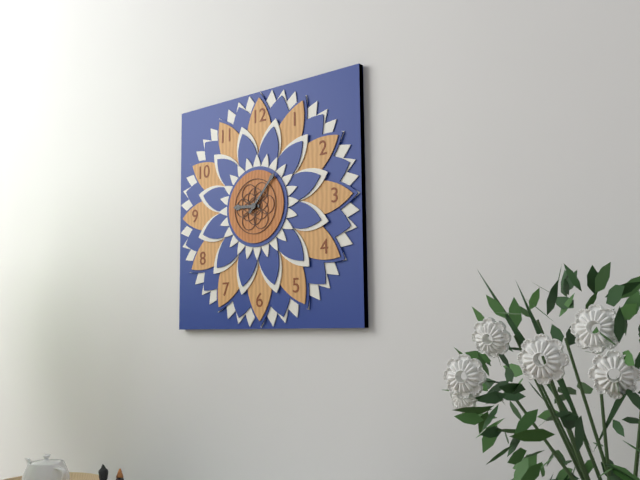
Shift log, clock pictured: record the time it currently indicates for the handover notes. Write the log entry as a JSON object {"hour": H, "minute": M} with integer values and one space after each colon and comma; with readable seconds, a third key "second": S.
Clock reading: {"hour": 9, "minute": 7}
